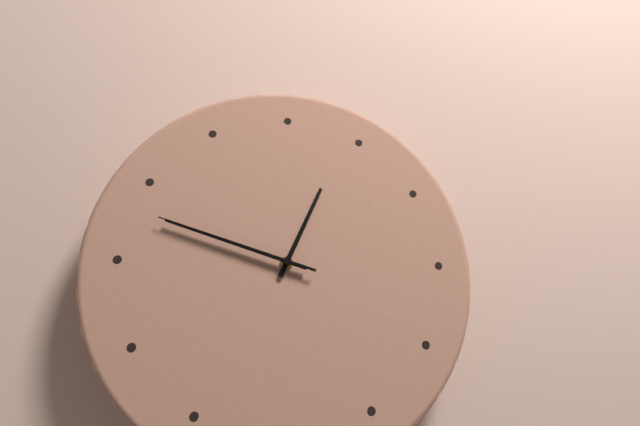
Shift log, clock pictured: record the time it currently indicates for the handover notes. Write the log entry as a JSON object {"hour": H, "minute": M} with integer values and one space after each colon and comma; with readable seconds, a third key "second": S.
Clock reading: {"hour": 12, "minute": 48, "second": 48}
